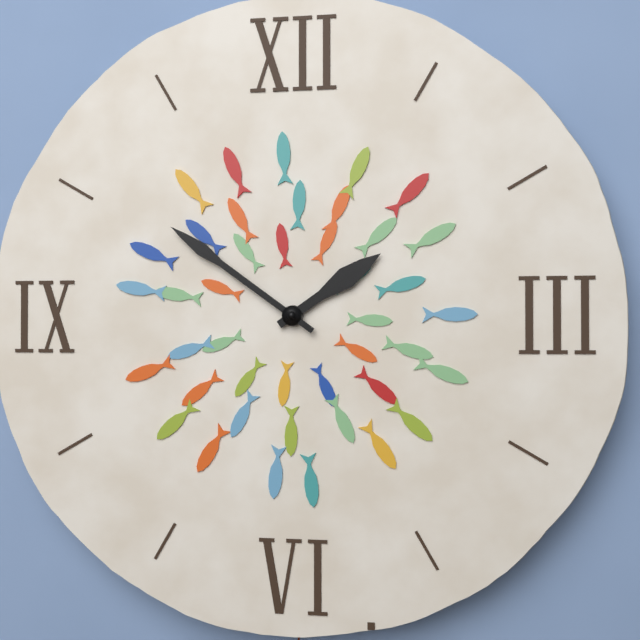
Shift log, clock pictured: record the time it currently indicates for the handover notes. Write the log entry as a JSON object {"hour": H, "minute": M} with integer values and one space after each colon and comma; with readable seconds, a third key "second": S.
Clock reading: {"hour": 1, "minute": 51}
